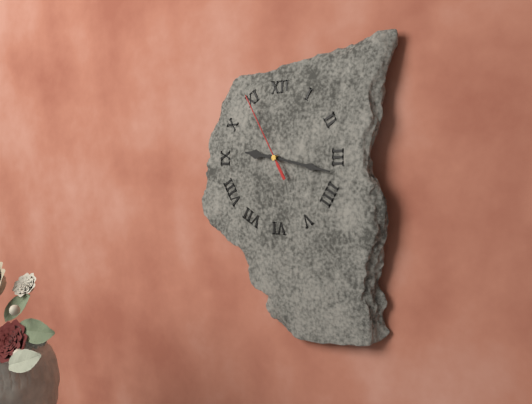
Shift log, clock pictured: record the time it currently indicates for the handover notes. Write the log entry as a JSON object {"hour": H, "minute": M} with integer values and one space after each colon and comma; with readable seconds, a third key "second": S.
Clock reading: {"hour": 9, "minute": 17, "second": 55}
